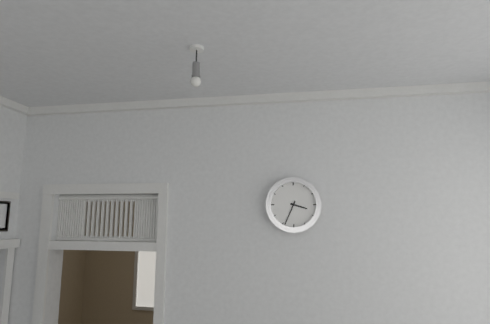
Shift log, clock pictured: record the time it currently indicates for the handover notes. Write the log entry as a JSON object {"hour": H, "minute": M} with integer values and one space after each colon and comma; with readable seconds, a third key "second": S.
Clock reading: {"hour": 3, "minute": 34}
